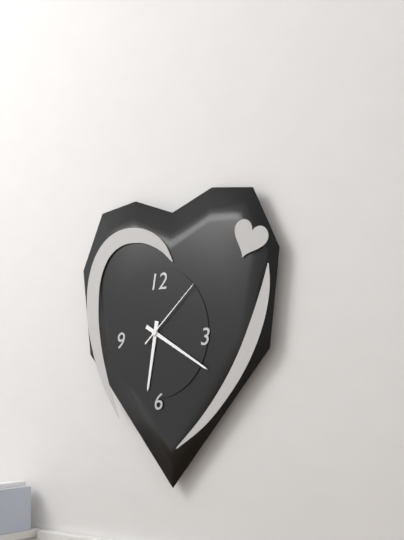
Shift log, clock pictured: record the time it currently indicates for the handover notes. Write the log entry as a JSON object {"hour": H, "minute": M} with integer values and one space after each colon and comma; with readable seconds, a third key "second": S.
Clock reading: {"hour": 6, "minute": 20, "second": 8}
